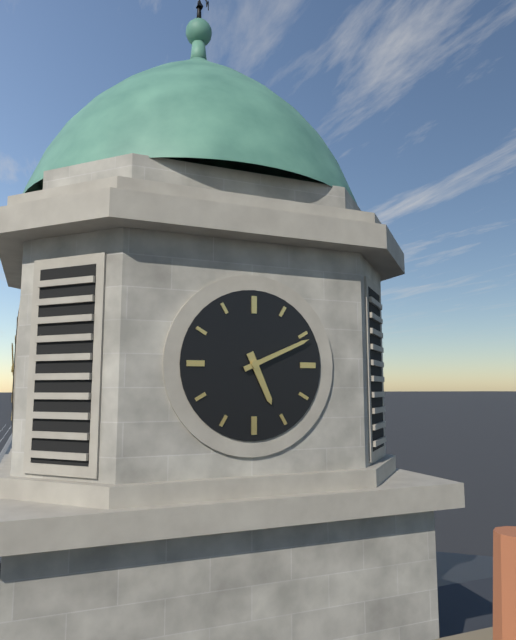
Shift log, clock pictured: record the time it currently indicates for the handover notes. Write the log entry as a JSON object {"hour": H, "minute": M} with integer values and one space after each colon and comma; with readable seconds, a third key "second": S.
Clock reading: {"hour": 5, "minute": 11}
